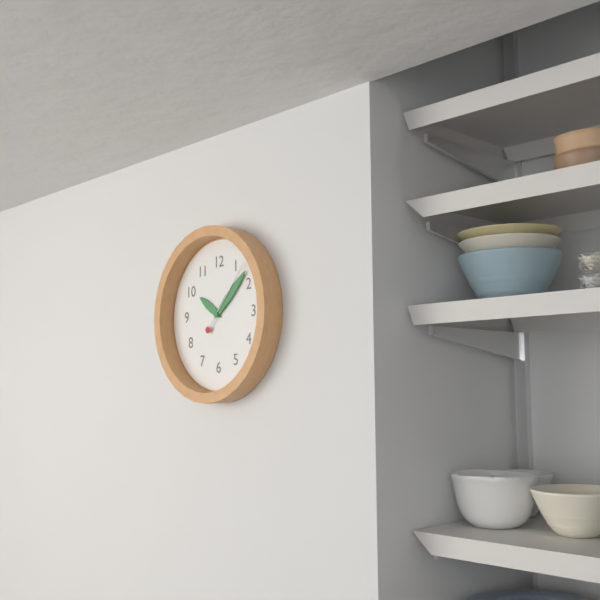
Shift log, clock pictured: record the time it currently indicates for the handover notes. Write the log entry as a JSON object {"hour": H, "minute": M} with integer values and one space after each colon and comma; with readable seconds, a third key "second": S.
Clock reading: {"hour": 10, "minute": 8, "second": 7}
